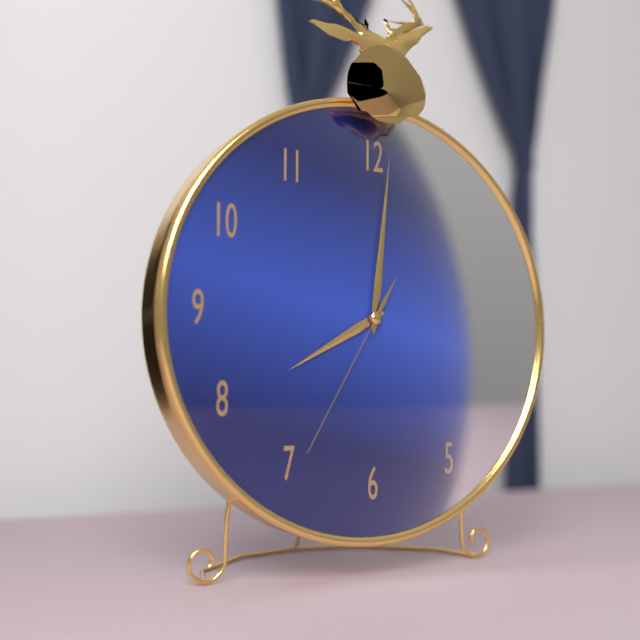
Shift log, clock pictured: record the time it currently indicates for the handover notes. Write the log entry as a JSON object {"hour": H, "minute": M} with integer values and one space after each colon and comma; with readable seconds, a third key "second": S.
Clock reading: {"hour": 8, "minute": 1, "second": 35}
